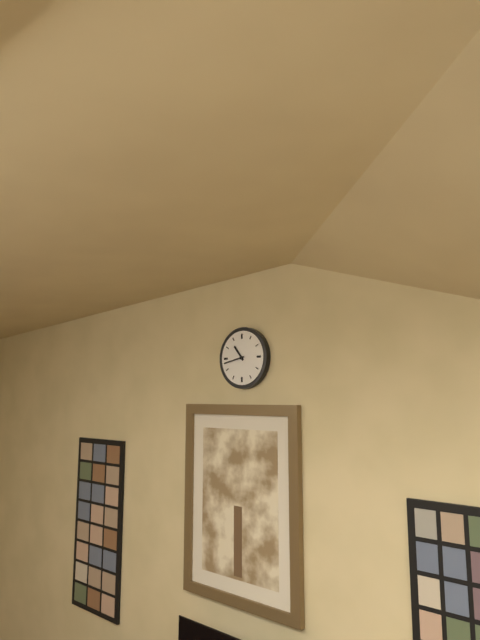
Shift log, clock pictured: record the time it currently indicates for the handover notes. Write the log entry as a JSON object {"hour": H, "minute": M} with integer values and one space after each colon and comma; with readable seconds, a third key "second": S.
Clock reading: {"hour": 10, "minute": 43}
